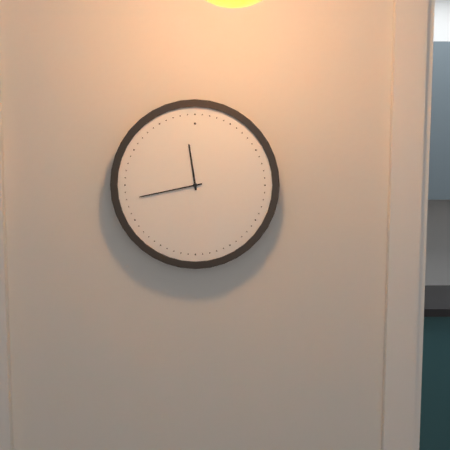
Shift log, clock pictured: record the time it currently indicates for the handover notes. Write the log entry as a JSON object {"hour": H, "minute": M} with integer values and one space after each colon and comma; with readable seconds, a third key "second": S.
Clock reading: {"hour": 11, "minute": 43}
